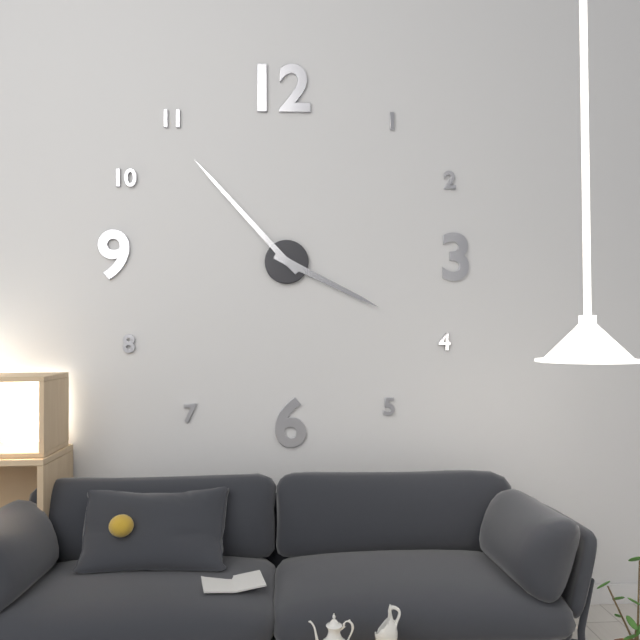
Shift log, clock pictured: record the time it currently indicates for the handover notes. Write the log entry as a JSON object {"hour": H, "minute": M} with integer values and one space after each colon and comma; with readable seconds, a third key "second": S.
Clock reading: {"hour": 3, "minute": 53}
